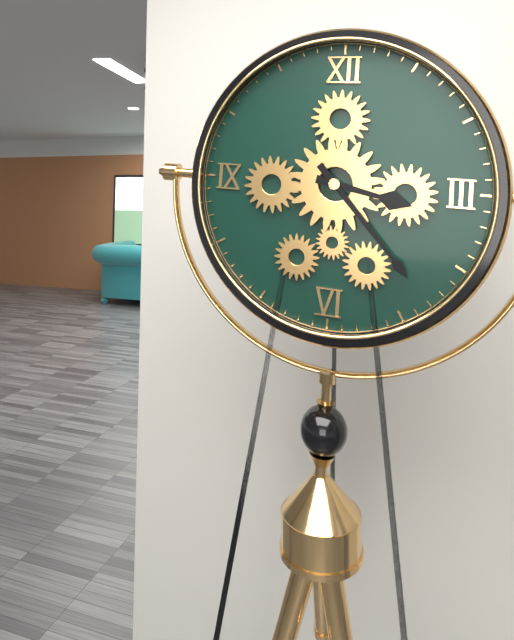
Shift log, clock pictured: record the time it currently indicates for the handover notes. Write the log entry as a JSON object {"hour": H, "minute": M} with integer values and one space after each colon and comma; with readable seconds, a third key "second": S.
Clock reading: {"hour": 3, "minute": 23}
